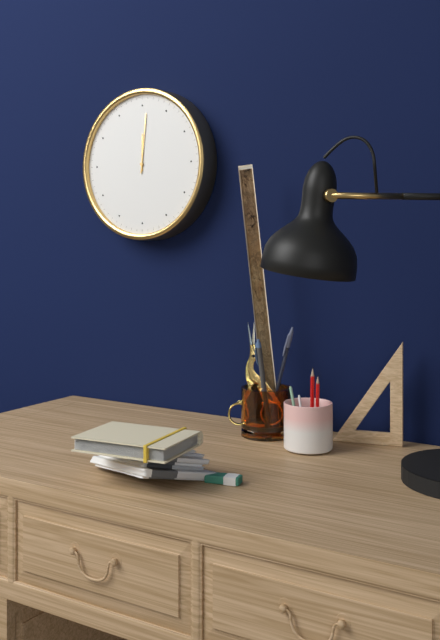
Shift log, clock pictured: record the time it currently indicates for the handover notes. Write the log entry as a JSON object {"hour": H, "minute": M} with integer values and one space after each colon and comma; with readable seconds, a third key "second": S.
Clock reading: {"hour": 12, "minute": 1}
